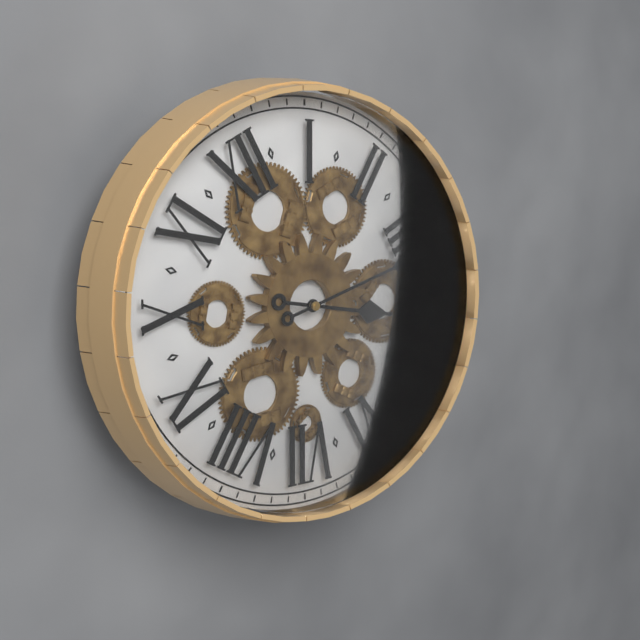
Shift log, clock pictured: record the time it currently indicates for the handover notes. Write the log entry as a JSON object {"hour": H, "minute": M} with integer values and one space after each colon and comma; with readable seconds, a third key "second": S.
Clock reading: {"hour": 4, "minute": 17}
